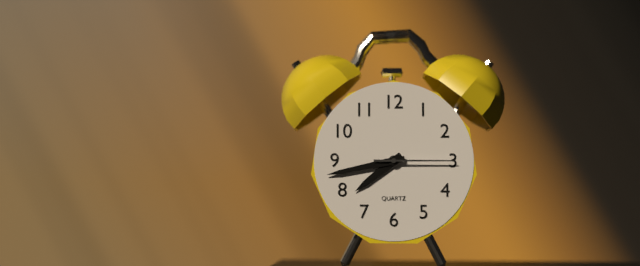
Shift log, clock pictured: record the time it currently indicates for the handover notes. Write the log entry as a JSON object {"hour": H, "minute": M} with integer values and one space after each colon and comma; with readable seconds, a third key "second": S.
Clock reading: {"hour": 7, "minute": 43, "second": 15}
